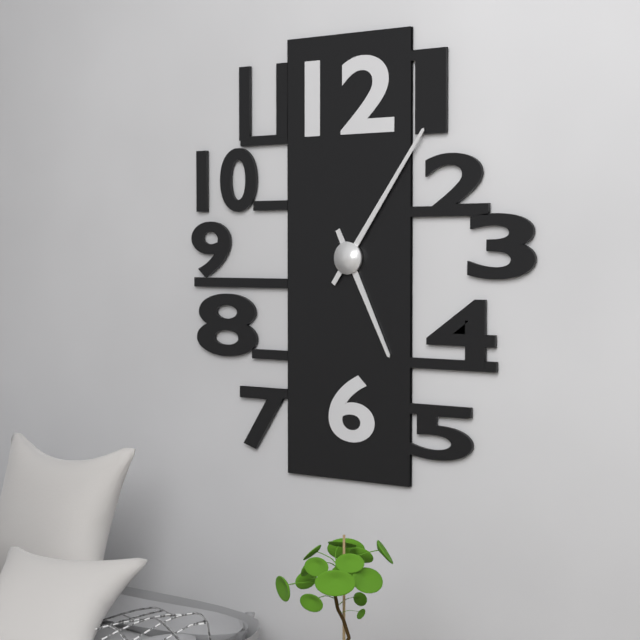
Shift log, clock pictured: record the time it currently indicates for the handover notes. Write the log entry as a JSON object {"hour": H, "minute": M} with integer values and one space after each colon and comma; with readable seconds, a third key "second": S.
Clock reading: {"hour": 5, "minute": 6}
